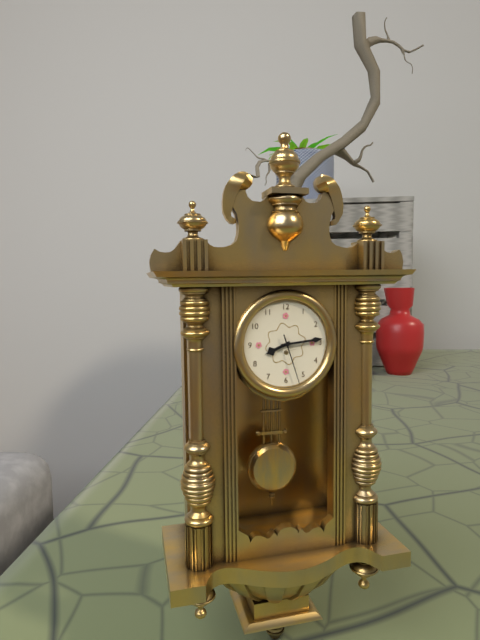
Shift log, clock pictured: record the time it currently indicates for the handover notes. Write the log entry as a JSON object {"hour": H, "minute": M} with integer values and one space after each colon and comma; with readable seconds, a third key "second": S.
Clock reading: {"hour": 8, "minute": 14, "second": 27}
